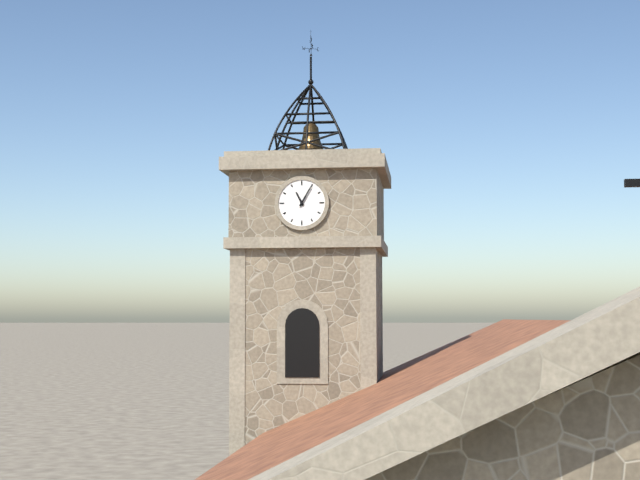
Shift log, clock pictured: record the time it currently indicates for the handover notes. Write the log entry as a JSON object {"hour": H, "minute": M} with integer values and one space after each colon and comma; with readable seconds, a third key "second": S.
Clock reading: {"hour": 11, "minute": 5}
